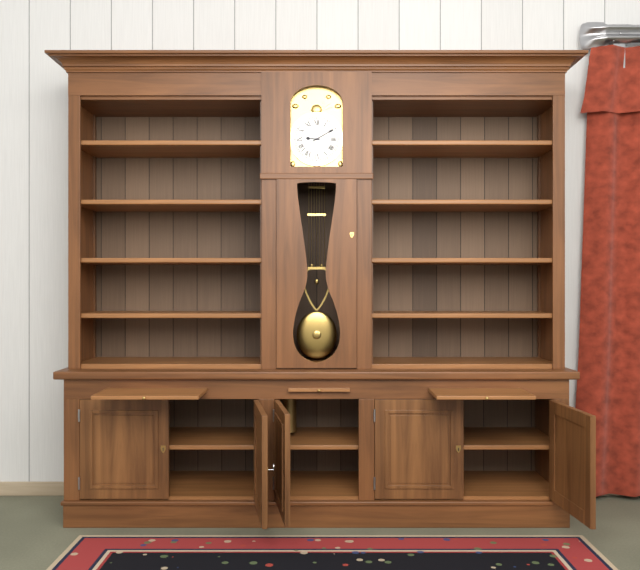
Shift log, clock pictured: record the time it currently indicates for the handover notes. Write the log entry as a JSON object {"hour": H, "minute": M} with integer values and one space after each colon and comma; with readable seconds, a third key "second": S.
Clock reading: {"hour": 9, "minute": 10}
